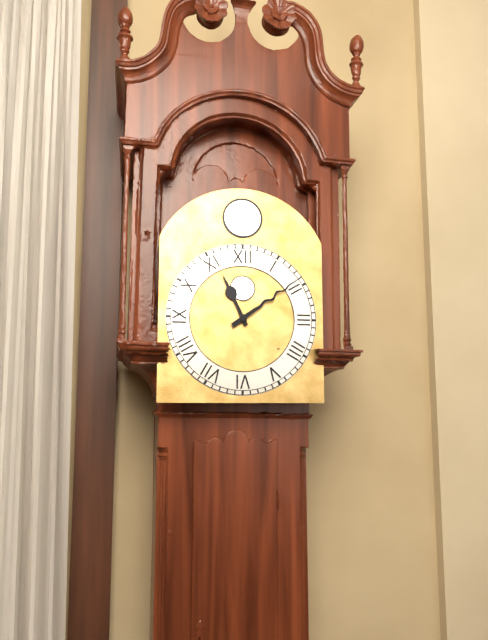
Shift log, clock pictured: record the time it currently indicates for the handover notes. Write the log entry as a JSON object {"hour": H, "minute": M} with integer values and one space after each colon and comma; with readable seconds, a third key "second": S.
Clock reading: {"hour": 11, "minute": 9}
